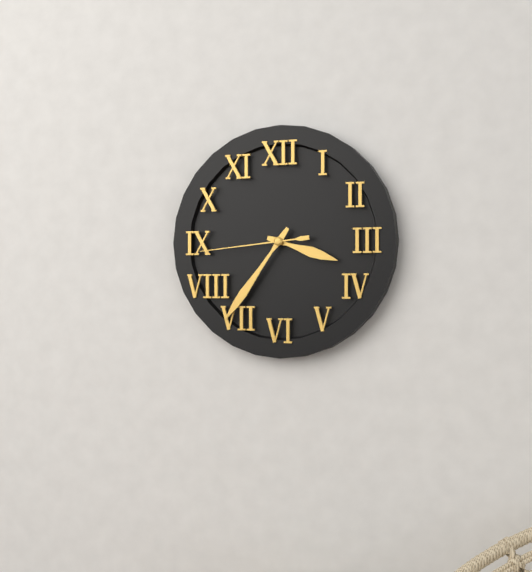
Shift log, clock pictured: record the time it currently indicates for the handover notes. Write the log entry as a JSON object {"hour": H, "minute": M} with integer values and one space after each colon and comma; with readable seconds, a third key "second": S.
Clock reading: {"hour": 3, "minute": 36, "second": 44}
